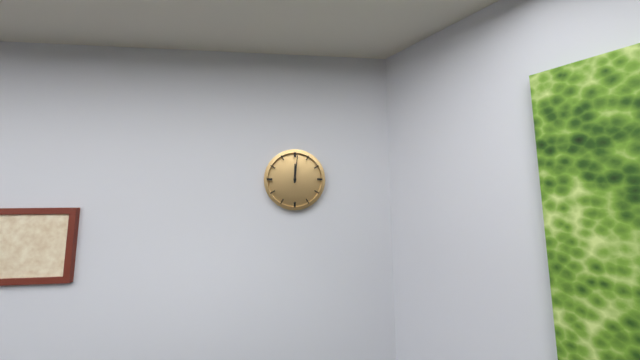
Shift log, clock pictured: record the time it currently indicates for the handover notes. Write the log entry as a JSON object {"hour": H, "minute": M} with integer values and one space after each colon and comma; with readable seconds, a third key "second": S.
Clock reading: {"hour": 12, "minute": 1}
